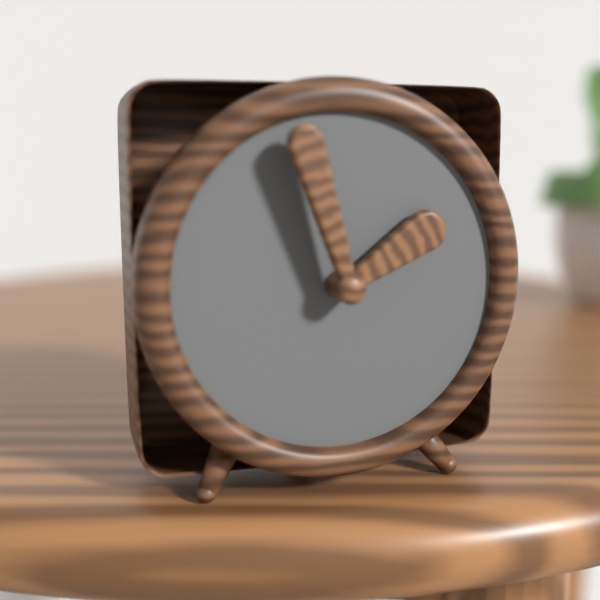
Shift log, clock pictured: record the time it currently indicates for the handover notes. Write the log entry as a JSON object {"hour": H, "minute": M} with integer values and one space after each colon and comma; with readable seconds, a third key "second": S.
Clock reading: {"hour": 1, "minute": 57}
